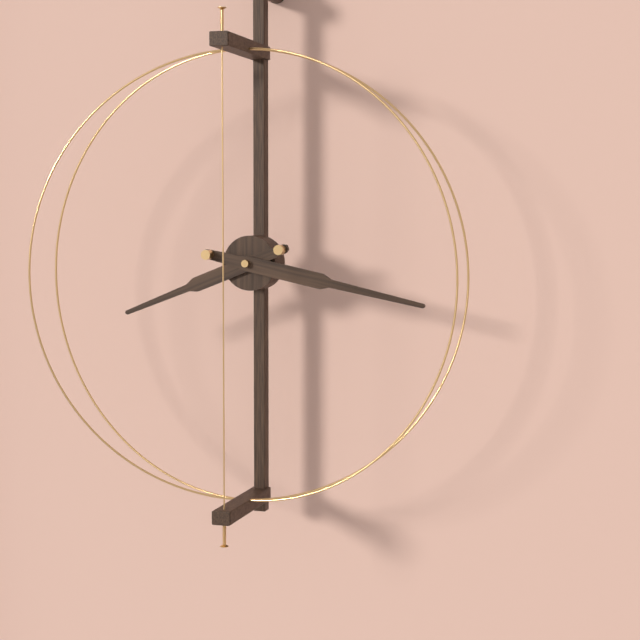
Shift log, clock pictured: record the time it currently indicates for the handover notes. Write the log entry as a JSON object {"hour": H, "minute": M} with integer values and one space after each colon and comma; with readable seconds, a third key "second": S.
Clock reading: {"hour": 8, "minute": 17}
